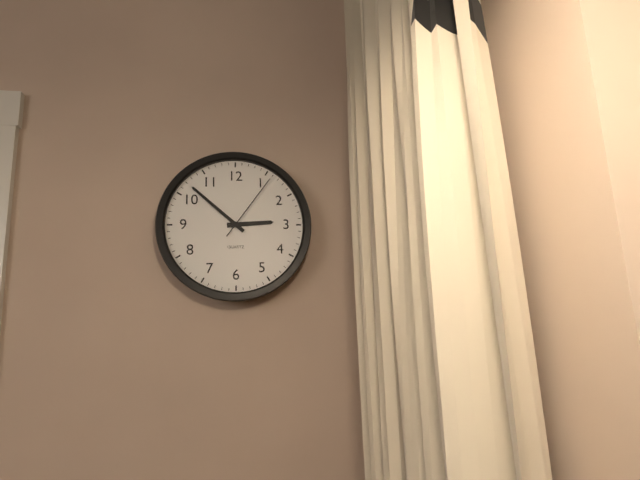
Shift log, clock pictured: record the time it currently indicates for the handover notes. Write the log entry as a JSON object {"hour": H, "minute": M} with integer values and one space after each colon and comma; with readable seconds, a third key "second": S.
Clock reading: {"hour": 2, "minute": 52, "second": 6}
